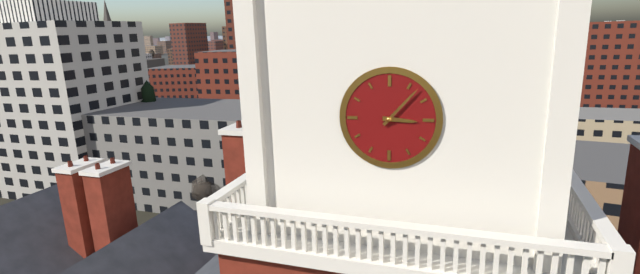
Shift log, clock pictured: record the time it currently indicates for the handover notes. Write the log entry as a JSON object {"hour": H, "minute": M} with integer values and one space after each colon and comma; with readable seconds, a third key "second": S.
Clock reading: {"hour": 3, "minute": 7}
